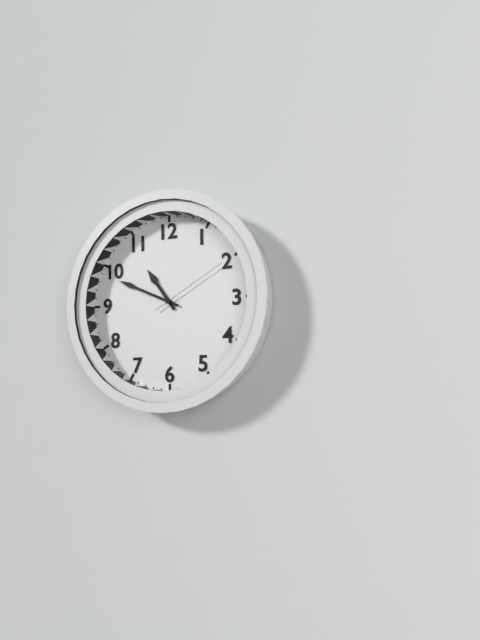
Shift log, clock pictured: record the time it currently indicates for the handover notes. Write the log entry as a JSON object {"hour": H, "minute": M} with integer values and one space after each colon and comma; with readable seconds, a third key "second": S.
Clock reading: {"hour": 10, "minute": 49, "second": 10}
